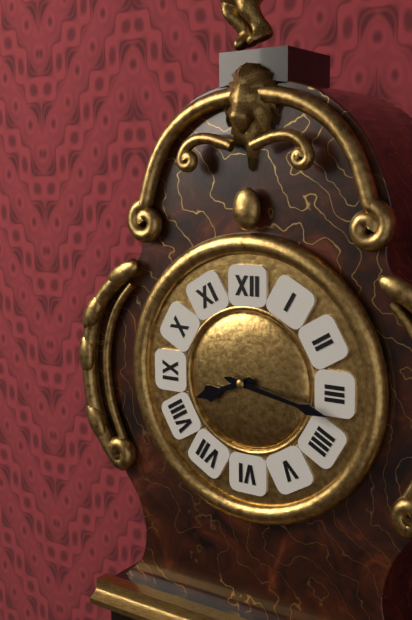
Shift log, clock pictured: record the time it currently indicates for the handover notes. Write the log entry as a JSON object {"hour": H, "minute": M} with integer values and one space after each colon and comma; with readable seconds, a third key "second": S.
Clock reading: {"hour": 8, "minute": 17}
